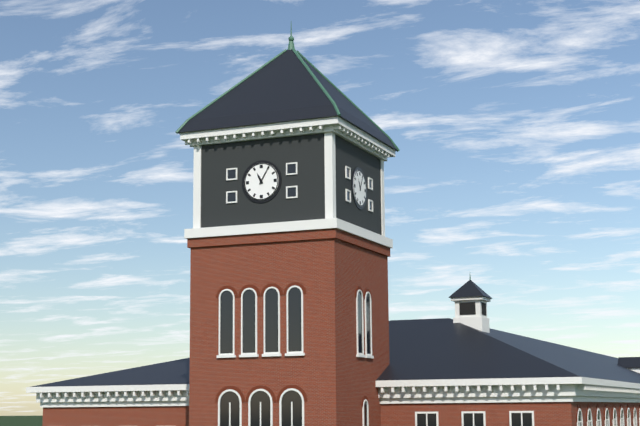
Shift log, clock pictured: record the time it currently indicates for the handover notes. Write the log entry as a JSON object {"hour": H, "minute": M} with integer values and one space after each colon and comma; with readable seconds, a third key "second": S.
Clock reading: {"hour": 11, "minute": 5}
